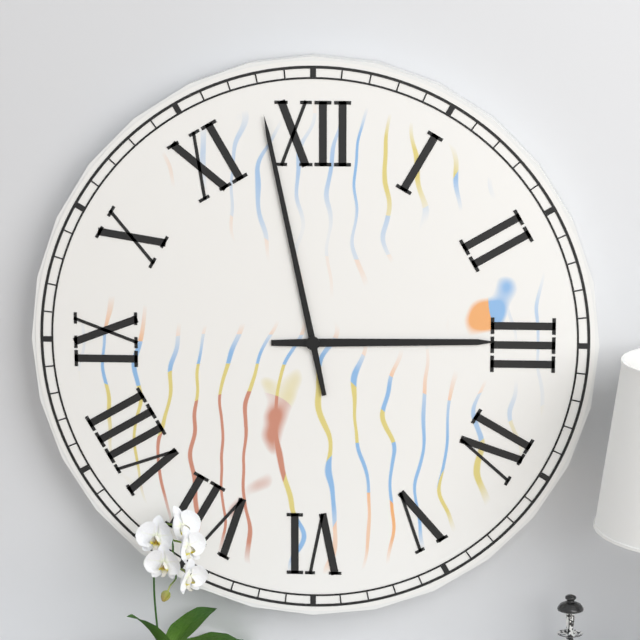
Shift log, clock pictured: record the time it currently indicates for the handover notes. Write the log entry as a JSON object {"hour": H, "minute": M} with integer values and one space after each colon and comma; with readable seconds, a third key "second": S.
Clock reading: {"hour": 2, "minute": 58}
